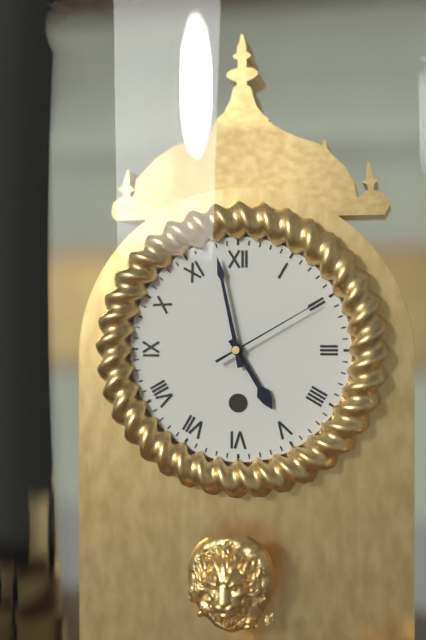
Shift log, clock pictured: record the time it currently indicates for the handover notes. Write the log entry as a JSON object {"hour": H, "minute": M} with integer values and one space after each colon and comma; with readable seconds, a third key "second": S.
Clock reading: {"hour": 4, "minute": 58, "second": 10}
